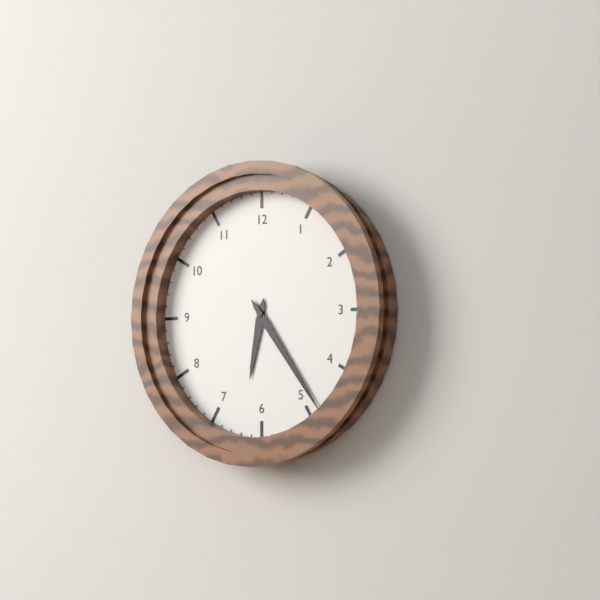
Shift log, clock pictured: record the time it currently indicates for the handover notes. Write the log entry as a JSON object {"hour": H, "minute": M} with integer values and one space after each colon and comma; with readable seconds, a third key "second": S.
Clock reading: {"hour": 6, "minute": 24}
